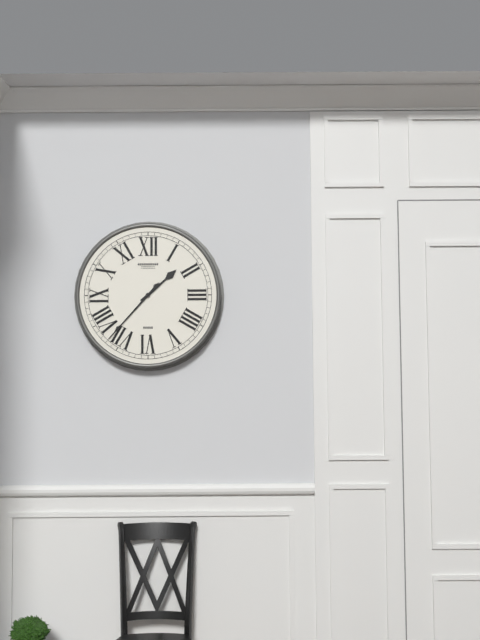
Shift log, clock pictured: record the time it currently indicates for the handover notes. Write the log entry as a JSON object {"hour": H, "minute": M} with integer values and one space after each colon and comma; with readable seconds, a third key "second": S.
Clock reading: {"hour": 1, "minute": 37}
